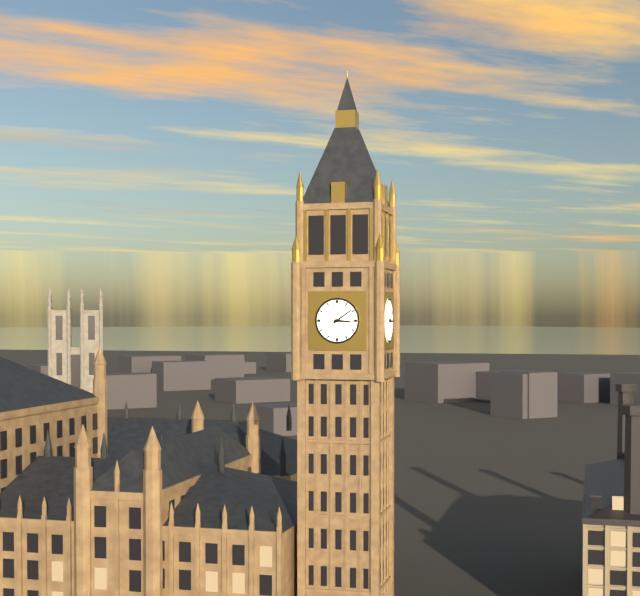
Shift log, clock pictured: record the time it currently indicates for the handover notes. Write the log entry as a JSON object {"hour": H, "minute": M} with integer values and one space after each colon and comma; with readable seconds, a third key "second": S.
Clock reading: {"hour": 3, "minute": 9}
